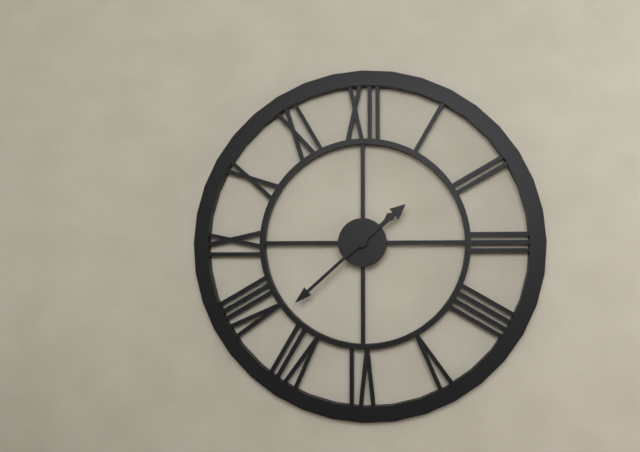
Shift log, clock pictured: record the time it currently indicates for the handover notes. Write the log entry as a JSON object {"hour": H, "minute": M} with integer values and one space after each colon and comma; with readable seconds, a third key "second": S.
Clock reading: {"hour": 1, "minute": 38}
